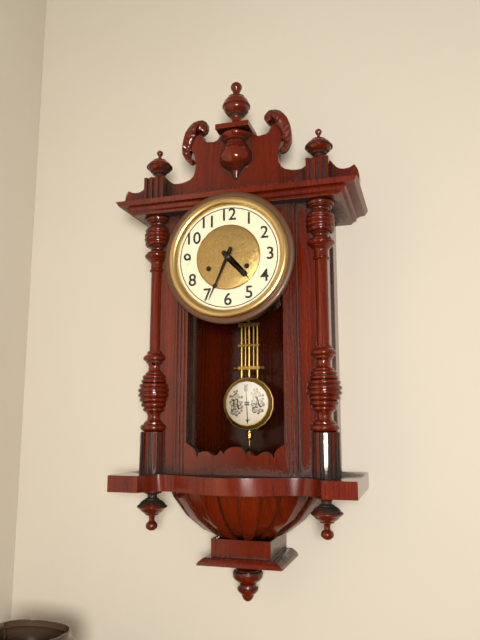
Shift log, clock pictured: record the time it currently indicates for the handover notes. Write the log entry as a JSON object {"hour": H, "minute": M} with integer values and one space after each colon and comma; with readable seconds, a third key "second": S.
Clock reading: {"hour": 4, "minute": 34}
